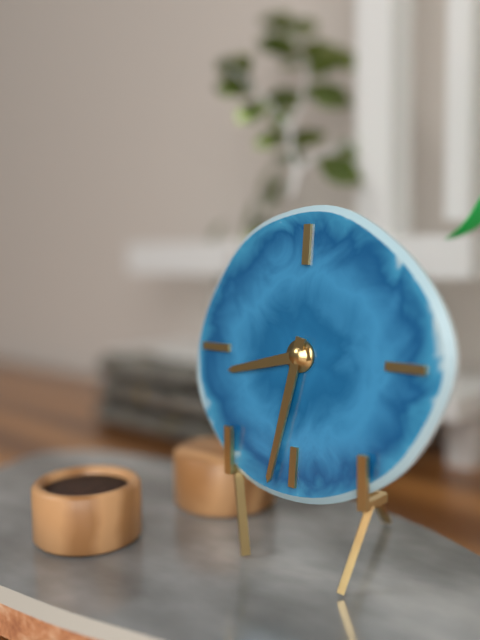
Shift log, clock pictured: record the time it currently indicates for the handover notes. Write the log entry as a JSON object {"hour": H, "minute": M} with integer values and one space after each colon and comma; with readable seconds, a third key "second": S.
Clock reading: {"hour": 8, "minute": 32}
